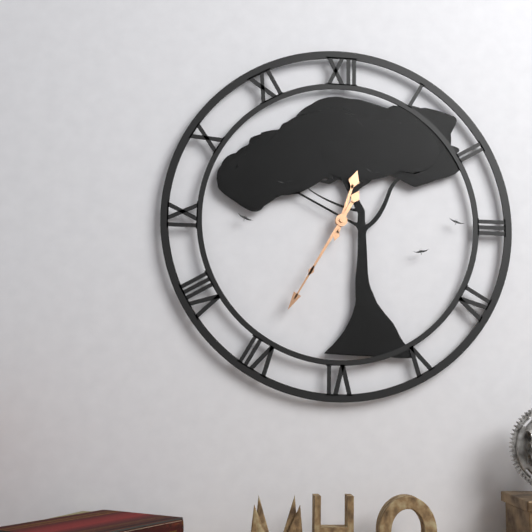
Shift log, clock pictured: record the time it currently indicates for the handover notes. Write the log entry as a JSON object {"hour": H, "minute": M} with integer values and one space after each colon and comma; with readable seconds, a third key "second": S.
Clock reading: {"hour": 12, "minute": 35}
